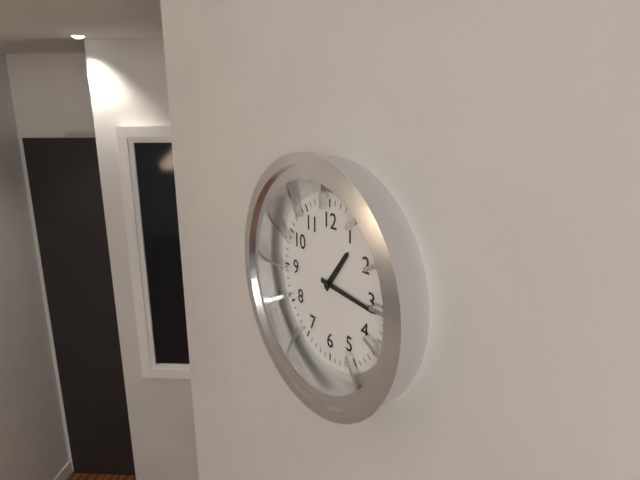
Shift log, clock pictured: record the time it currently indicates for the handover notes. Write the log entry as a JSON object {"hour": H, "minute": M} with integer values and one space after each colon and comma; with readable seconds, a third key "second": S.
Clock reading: {"hour": 1, "minute": 16}
